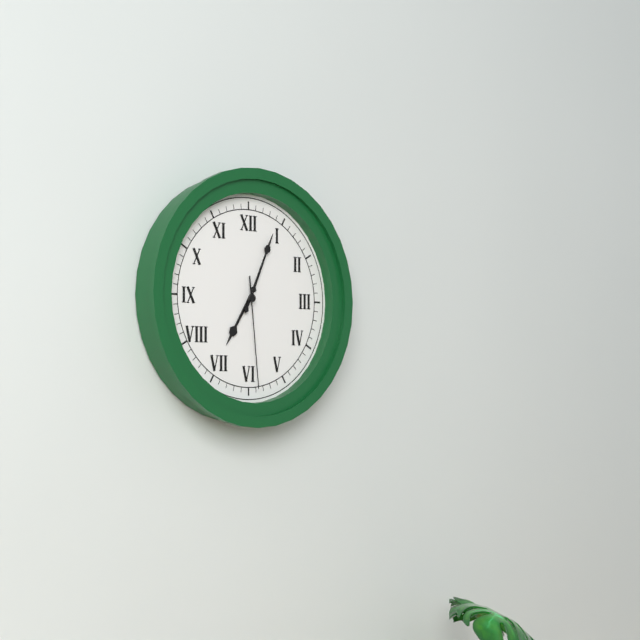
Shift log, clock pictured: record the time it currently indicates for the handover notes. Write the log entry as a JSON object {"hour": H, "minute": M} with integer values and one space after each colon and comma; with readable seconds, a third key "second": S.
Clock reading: {"hour": 7, "minute": 4, "second": 29}
